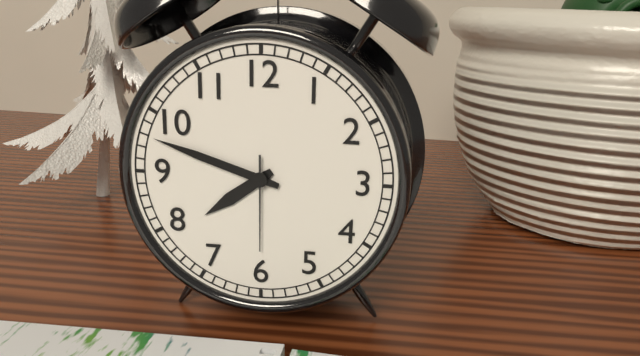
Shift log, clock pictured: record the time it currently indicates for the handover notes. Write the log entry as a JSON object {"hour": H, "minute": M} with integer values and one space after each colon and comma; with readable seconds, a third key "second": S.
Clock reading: {"hour": 7, "minute": 48, "second": 30}
